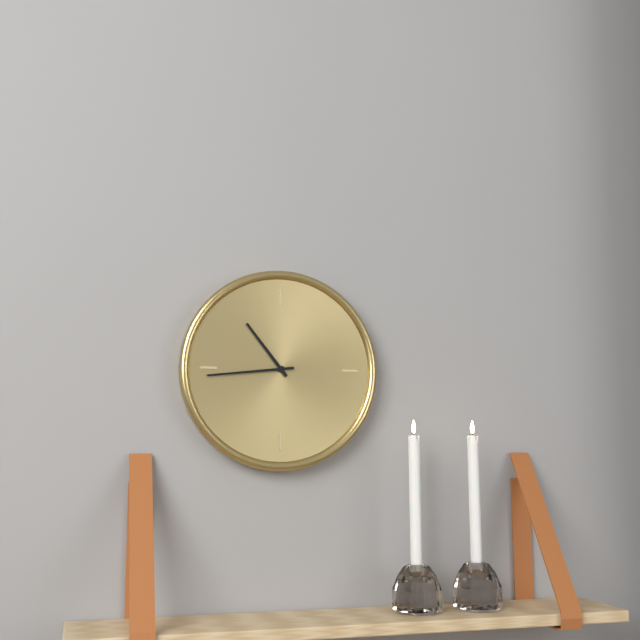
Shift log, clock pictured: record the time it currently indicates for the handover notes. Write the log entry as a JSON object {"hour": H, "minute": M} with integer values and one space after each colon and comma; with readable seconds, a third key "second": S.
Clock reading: {"hour": 10, "minute": 44}
